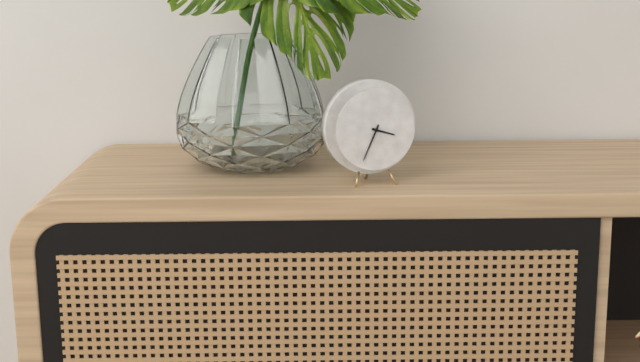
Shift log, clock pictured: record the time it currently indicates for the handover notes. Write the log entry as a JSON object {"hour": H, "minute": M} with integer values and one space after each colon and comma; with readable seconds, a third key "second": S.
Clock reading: {"hour": 3, "minute": 34}
